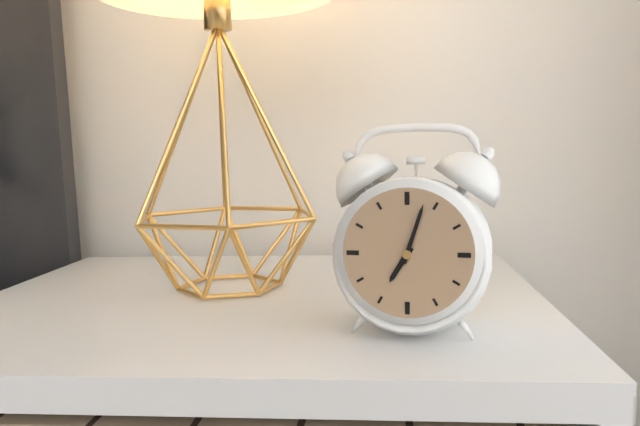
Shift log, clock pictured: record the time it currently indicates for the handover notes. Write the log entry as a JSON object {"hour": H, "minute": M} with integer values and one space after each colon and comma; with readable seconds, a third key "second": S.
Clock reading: {"hour": 7, "minute": 3}
